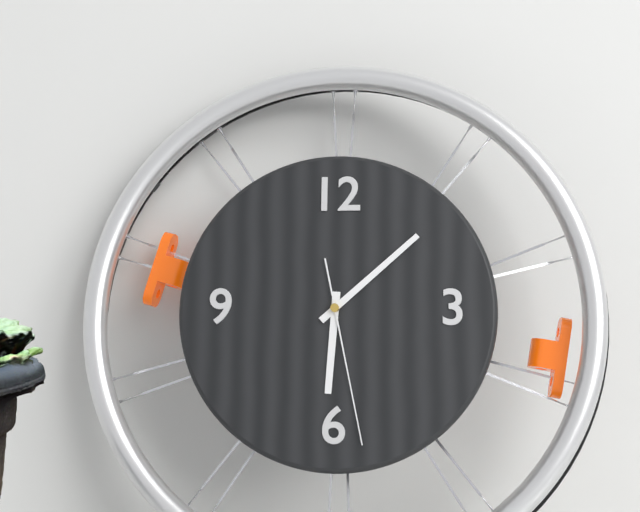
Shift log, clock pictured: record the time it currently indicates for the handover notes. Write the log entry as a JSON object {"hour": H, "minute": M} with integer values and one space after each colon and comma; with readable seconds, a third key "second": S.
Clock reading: {"hour": 6, "minute": 8, "second": 28}
